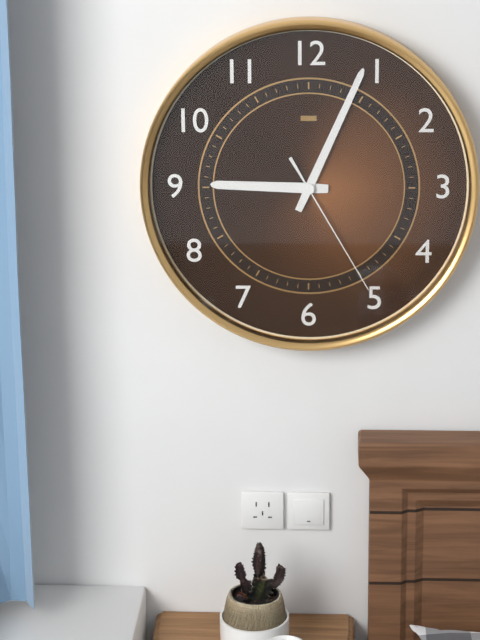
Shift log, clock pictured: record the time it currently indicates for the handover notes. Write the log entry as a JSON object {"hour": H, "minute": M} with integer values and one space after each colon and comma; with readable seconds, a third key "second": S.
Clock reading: {"hour": 9, "minute": 4, "second": 25}
